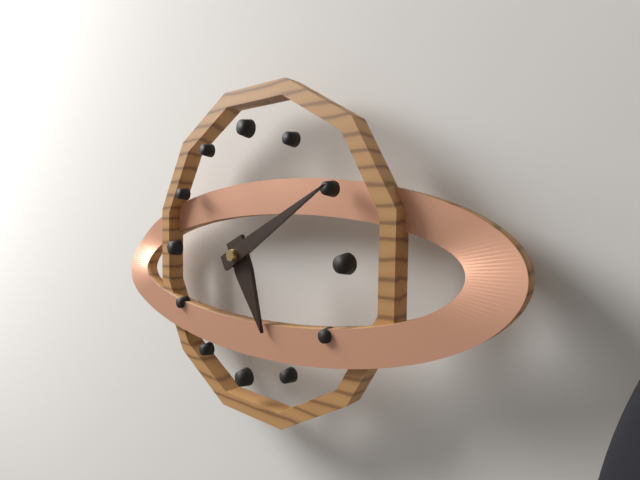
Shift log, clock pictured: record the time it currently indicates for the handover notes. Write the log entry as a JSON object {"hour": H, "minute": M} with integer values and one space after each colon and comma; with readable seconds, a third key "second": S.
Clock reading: {"hour": 5, "minute": 10}
